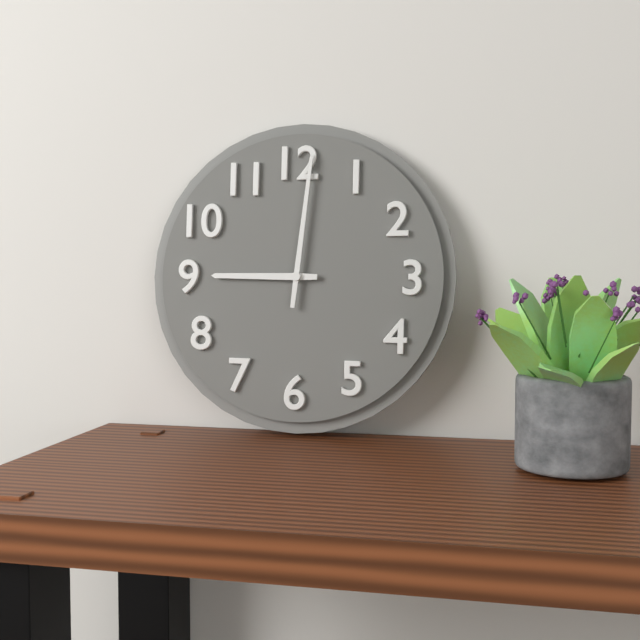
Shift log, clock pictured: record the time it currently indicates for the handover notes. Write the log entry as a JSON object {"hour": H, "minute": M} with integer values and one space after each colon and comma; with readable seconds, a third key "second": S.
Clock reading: {"hour": 9, "minute": 1}
